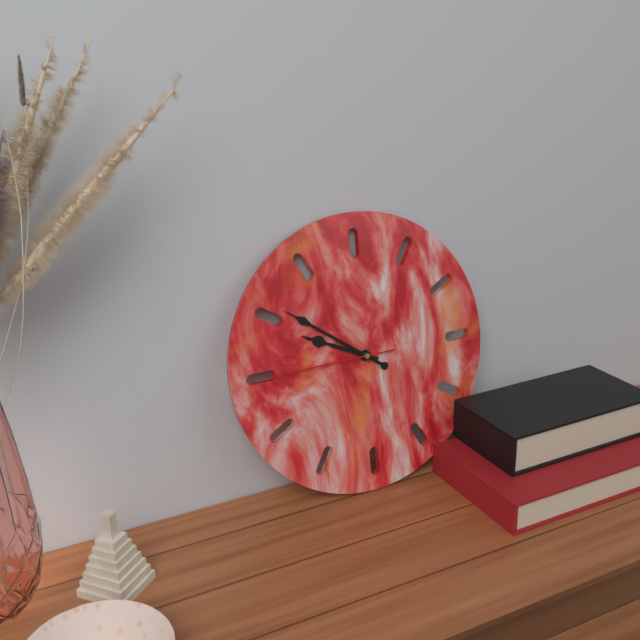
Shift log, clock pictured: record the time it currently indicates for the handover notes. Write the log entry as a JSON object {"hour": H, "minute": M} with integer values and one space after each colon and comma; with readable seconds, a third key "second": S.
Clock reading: {"hour": 9, "minute": 51, "second": 45}
